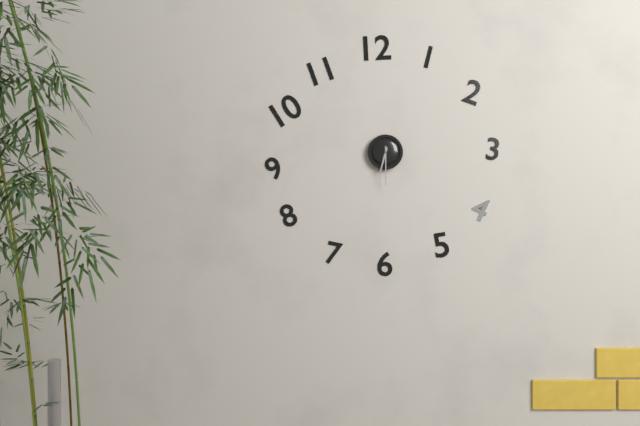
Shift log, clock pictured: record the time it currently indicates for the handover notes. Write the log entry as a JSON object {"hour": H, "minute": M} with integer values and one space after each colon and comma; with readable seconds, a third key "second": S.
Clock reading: {"hour": 6, "minute": 30}
